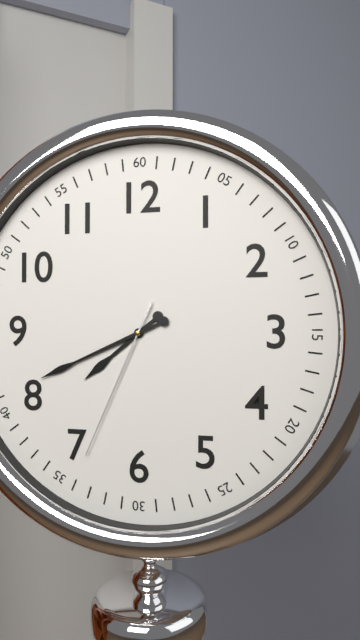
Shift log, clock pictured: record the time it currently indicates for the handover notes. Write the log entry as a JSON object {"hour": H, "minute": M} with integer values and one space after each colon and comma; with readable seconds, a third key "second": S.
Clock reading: {"hour": 7, "minute": 41, "second": 34}
